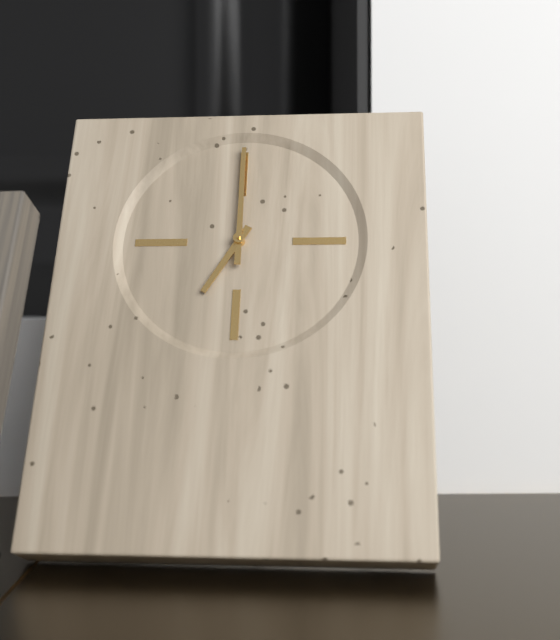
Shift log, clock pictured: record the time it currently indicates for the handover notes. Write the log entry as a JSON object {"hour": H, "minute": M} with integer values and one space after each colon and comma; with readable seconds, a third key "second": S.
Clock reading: {"hour": 7, "minute": 0}
